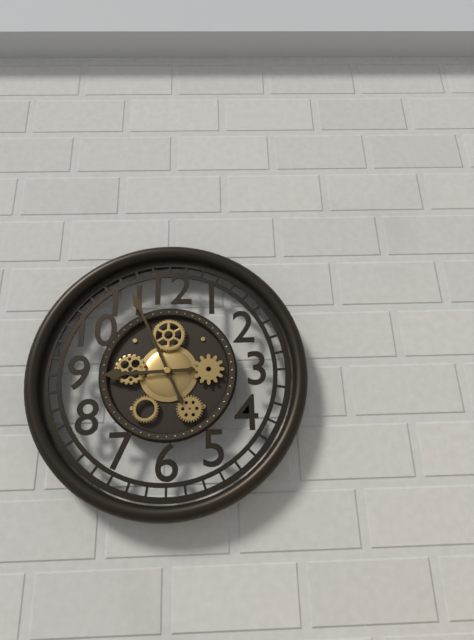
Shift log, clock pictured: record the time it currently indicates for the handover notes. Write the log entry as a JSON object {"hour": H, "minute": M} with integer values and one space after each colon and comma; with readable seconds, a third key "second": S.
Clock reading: {"hour": 8, "minute": 56}
